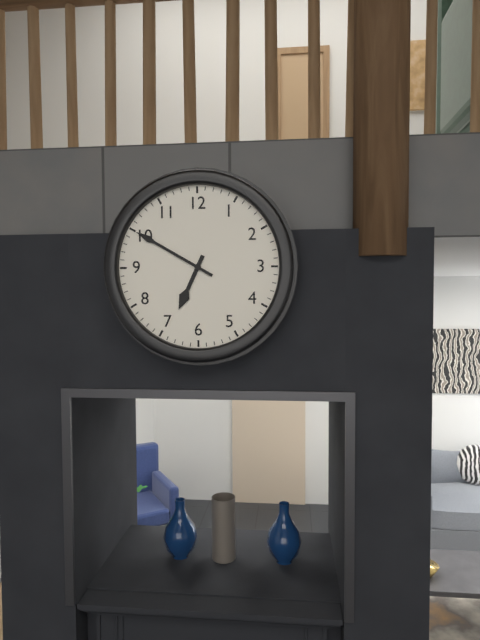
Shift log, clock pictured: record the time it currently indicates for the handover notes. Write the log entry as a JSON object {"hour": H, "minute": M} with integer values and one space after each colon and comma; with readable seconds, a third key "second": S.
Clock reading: {"hour": 6, "minute": 50}
